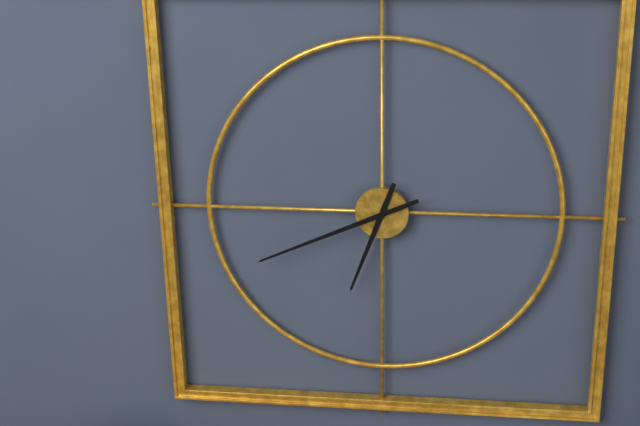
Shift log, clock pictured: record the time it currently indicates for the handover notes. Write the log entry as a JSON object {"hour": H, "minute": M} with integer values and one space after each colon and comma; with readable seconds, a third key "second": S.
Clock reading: {"hour": 6, "minute": 41}
